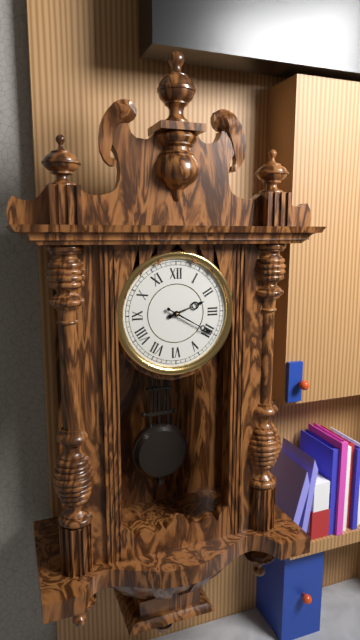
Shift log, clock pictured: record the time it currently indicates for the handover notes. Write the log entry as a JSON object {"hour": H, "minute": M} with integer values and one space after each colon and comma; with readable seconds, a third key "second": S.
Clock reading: {"hour": 2, "minute": 20}
